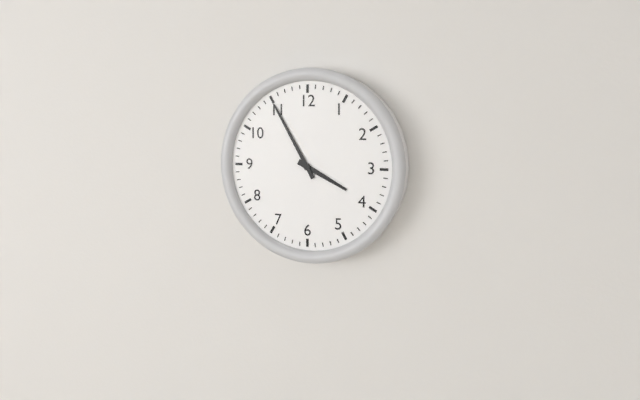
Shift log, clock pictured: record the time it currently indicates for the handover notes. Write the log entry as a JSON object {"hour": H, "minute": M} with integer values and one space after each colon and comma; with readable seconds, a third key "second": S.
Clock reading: {"hour": 3, "minute": 55}
